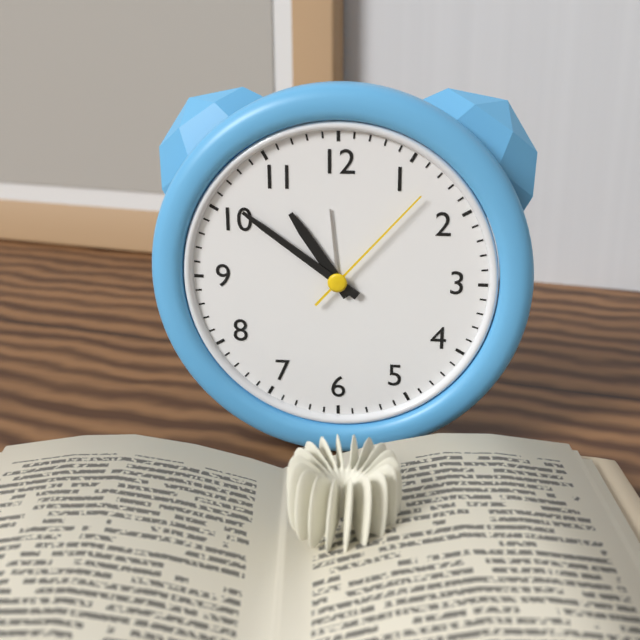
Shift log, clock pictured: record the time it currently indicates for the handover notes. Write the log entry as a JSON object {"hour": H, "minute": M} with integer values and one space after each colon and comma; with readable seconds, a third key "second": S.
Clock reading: {"hour": 10, "minute": 51, "second": 7}
